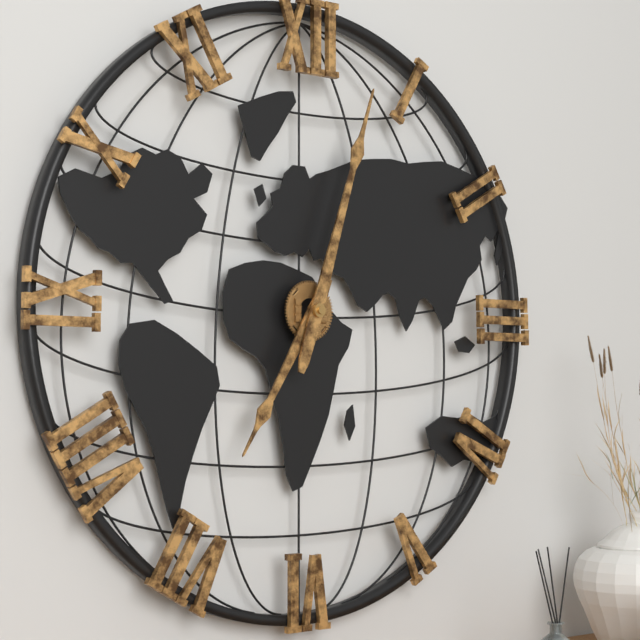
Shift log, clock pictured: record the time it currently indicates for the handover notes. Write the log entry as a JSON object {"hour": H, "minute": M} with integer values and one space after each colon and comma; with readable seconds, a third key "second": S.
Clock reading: {"hour": 7, "minute": 3}
